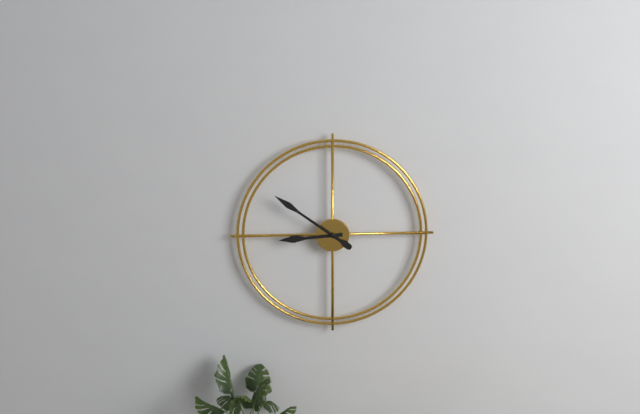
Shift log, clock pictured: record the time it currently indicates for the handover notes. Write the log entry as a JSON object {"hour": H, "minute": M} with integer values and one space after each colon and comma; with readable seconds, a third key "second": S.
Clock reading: {"hour": 8, "minute": 51}
